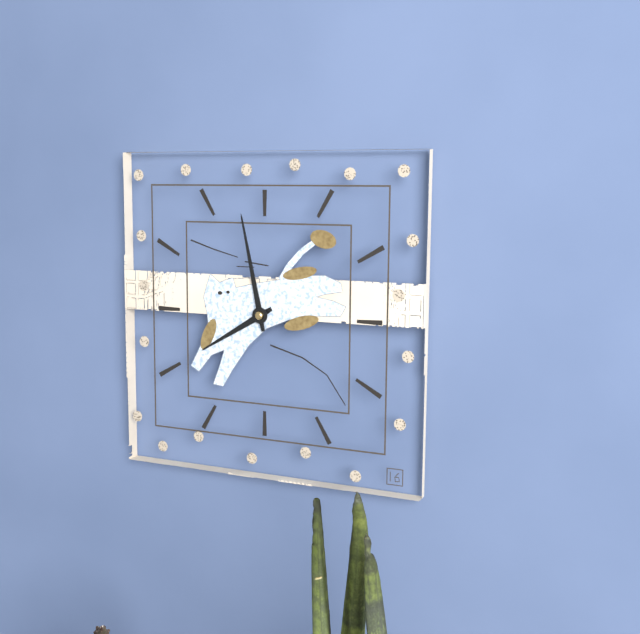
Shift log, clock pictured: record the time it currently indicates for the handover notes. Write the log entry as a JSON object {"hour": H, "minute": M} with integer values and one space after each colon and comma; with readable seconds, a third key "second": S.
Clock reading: {"hour": 7, "minute": 58}
